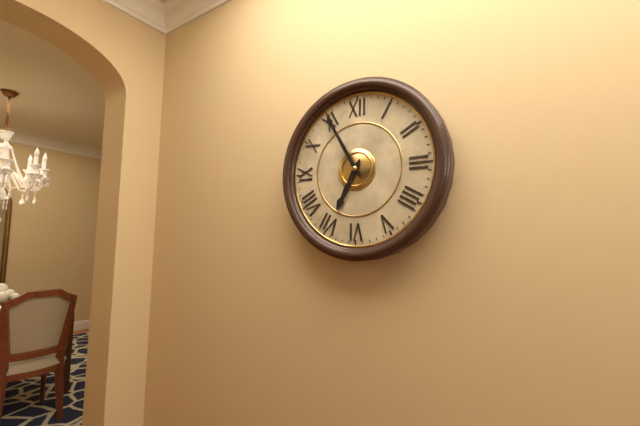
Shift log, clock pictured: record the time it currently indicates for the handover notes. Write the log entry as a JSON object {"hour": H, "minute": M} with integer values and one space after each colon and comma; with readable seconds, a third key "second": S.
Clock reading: {"hour": 6, "minute": 55}
